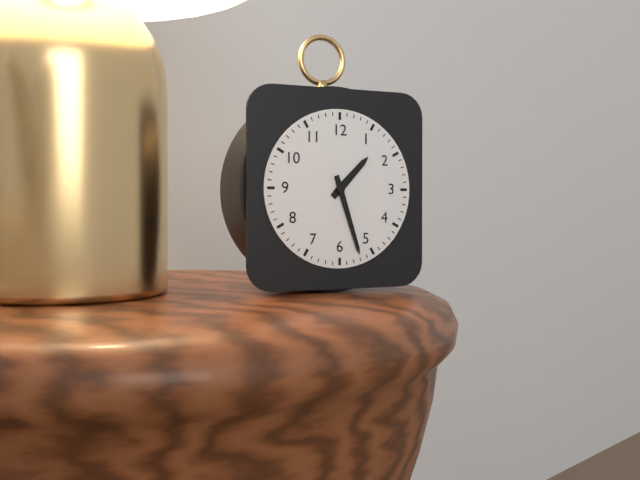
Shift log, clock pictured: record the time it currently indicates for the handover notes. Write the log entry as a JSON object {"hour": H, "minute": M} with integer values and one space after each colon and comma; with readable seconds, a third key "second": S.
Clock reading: {"hour": 1, "minute": 27}
